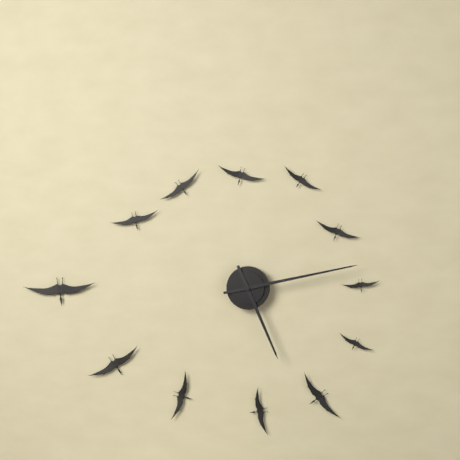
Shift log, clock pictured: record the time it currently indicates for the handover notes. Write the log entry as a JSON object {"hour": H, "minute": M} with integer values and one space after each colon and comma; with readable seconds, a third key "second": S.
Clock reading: {"hour": 5, "minute": 13}
